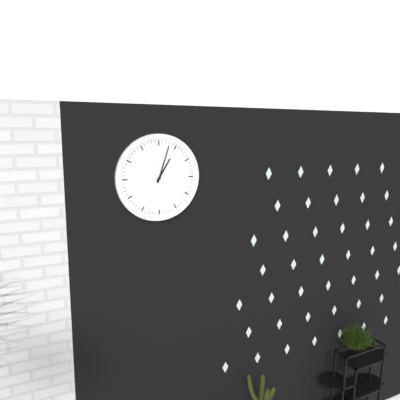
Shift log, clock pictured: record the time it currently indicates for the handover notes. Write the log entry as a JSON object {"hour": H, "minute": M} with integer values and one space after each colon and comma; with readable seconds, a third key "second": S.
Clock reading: {"hour": 1, "minute": 3}
